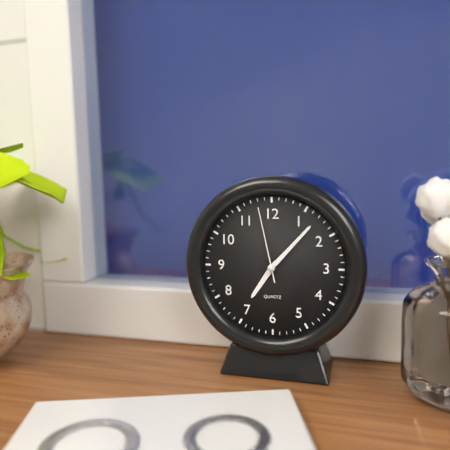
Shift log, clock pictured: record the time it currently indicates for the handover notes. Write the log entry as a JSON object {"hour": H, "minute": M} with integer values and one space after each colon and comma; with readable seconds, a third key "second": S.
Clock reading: {"hour": 7, "minute": 7, "second": 58}
